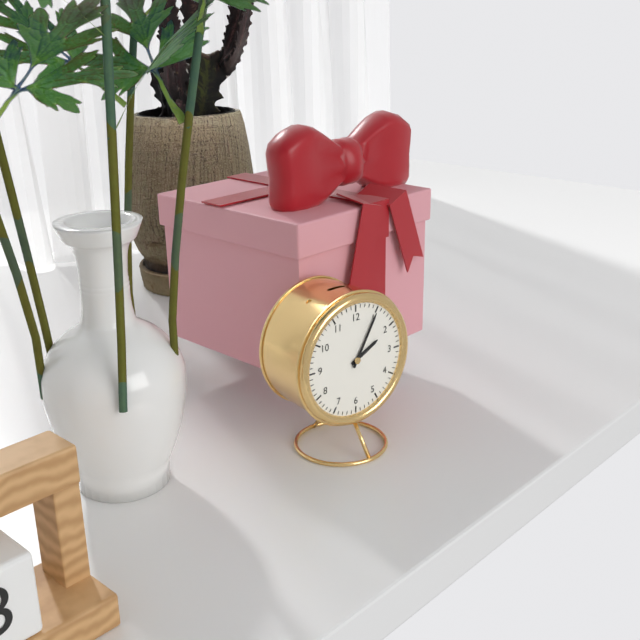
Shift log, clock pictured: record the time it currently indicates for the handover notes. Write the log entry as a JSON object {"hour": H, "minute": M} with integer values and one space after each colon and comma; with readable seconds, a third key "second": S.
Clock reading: {"hour": 2, "minute": 5}
